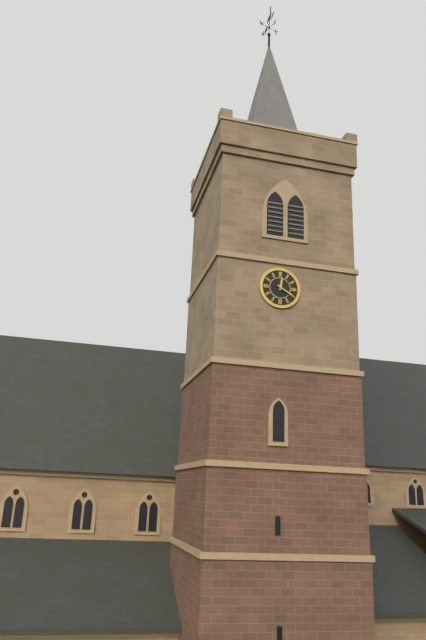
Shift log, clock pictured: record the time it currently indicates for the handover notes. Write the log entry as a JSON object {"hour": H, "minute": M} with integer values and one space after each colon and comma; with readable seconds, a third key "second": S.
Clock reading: {"hour": 12, "minute": 20}
